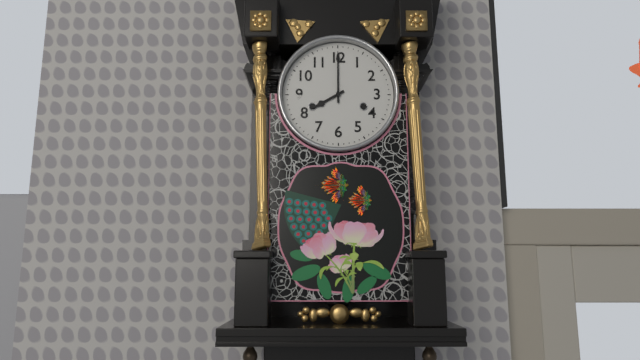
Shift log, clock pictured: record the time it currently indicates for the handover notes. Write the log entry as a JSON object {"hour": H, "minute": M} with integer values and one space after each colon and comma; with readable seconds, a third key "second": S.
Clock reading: {"hour": 8, "minute": 0}
